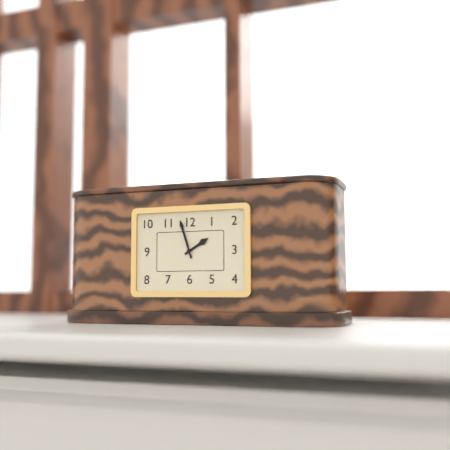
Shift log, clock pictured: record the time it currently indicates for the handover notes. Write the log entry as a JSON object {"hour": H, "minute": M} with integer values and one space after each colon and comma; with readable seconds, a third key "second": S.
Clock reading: {"hour": 1, "minute": 57}
